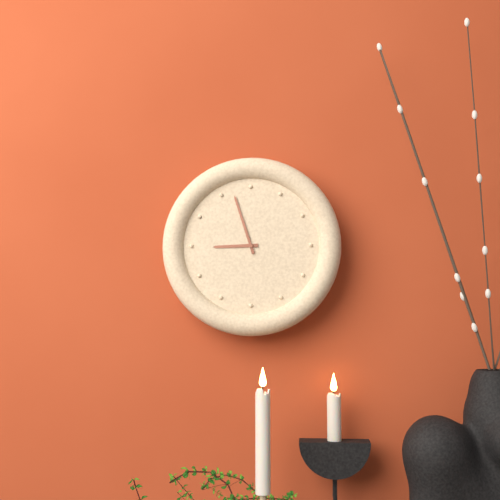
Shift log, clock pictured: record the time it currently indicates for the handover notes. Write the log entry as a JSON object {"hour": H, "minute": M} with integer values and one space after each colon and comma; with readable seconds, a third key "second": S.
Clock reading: {"hour": 8, "minute": 57}
